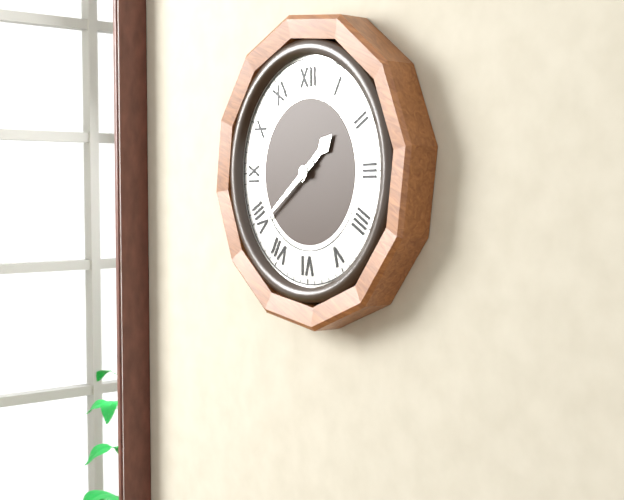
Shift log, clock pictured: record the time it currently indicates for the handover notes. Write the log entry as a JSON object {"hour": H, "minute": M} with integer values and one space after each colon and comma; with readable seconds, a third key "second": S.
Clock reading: {"hour": 1, "minute": 39}
